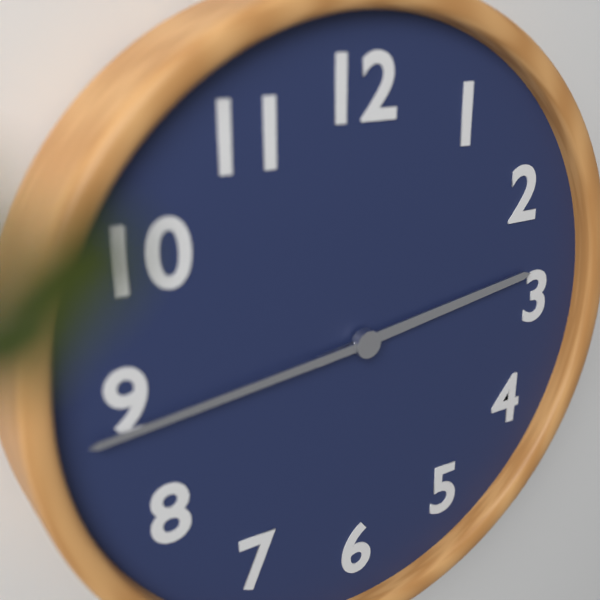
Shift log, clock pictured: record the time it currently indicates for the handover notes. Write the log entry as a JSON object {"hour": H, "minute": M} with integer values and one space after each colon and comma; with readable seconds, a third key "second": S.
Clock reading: {"hour": 2, "minute": 44}
